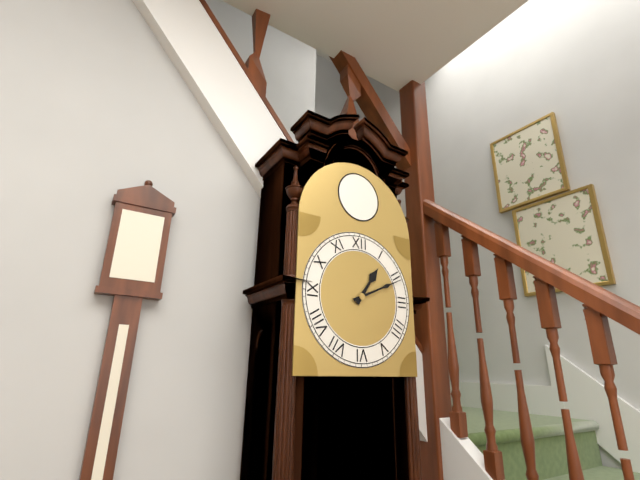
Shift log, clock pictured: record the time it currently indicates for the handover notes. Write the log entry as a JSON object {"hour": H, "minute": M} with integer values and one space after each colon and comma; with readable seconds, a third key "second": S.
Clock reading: {"hour": 1, "minute": 11}
